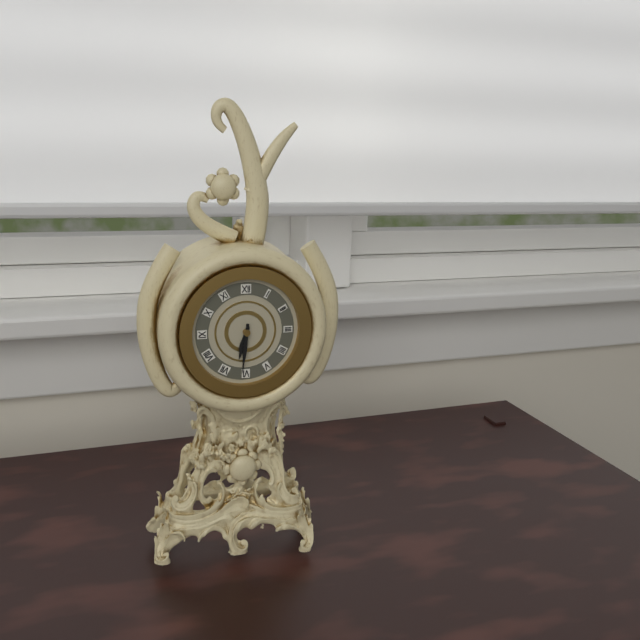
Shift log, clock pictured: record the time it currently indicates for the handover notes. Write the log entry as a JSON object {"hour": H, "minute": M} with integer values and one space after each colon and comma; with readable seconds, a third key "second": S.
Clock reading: {"hour": 6, "minute": 31}
